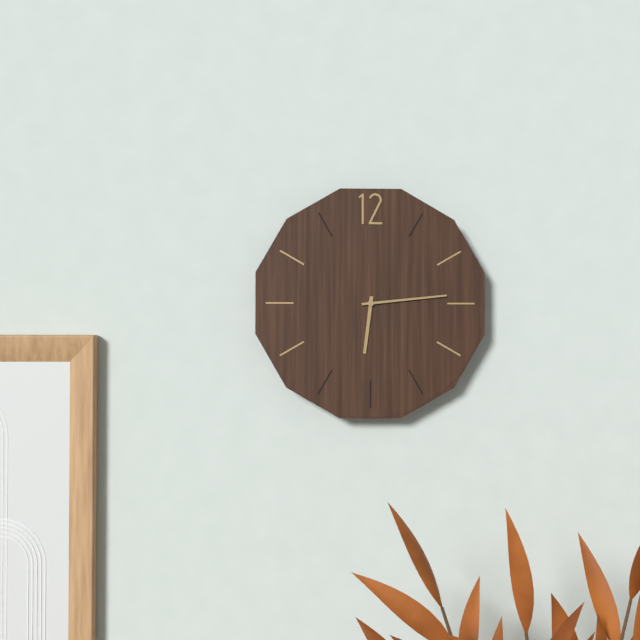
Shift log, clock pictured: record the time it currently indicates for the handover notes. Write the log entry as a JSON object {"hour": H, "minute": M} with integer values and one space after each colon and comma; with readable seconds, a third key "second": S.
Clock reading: {"hour": 6, "minute": 14}
